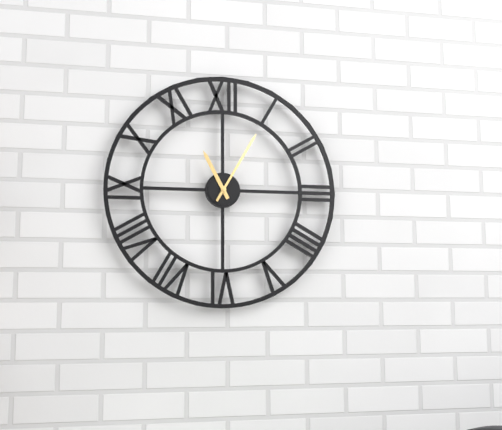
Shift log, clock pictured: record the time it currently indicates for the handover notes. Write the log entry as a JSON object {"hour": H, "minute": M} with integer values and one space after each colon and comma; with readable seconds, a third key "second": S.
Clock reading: {"hour": 11, "minute": 5}
